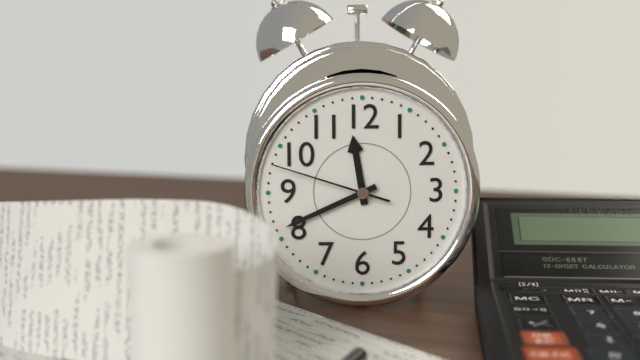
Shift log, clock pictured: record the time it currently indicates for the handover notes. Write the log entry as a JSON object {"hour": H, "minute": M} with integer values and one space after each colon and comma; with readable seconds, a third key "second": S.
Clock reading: {"hour": 11, "minute": 41, "second": 48}
